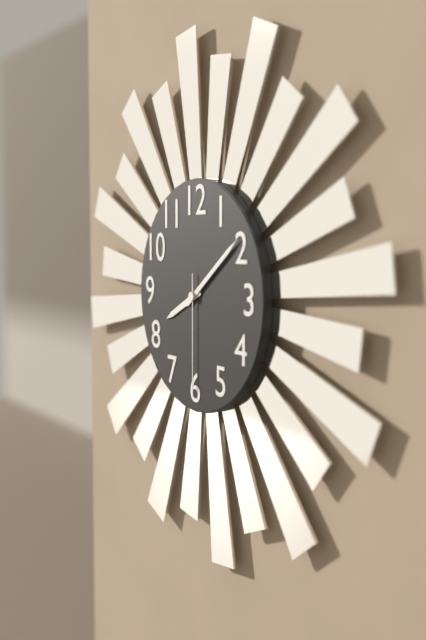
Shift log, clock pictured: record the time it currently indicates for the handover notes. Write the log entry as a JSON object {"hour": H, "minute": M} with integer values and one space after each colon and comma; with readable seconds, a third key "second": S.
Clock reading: {"hour": 8, "minute": 9, "second": 30}
